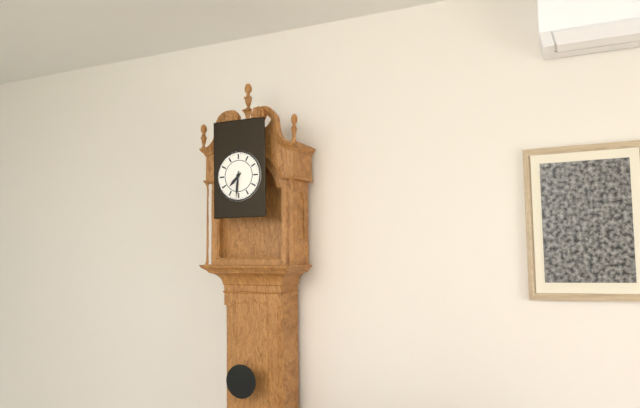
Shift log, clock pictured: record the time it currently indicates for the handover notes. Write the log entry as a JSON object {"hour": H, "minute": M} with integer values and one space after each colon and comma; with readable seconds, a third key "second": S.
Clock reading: {"hour": 7, "minute": 31}
